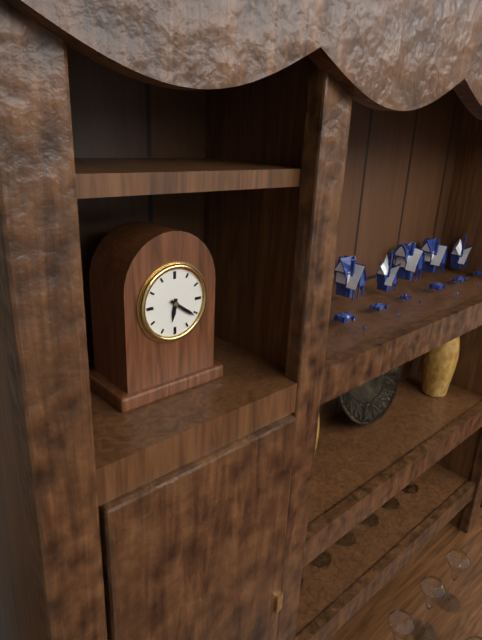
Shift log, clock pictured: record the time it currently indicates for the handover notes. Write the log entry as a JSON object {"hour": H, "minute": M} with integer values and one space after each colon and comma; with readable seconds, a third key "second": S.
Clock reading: {"hour": 6, "minute": 21}
